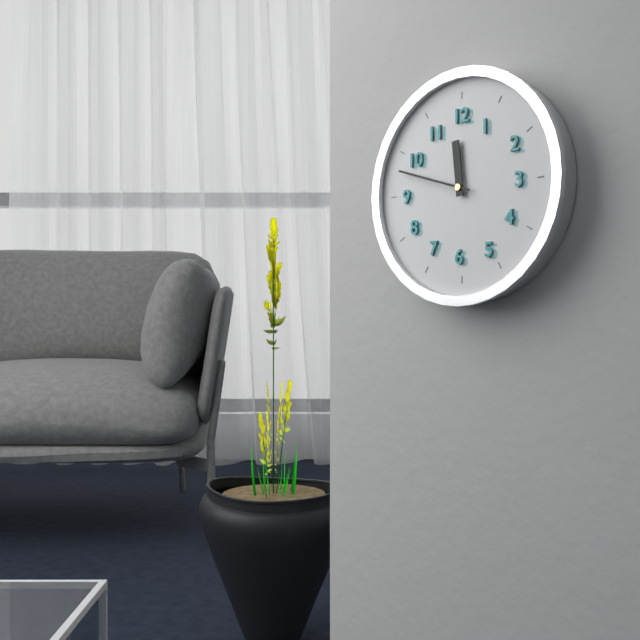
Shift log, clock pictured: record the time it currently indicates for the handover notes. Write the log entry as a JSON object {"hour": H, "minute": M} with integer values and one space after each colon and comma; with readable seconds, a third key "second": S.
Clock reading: {"hour": 11, "minute": 48}
